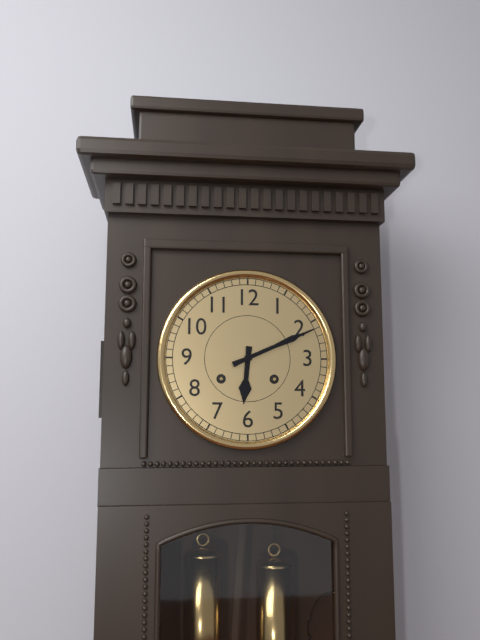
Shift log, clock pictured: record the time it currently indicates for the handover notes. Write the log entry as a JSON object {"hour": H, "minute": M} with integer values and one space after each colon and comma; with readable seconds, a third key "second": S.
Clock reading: {"hour": 6, "minute": 11}
